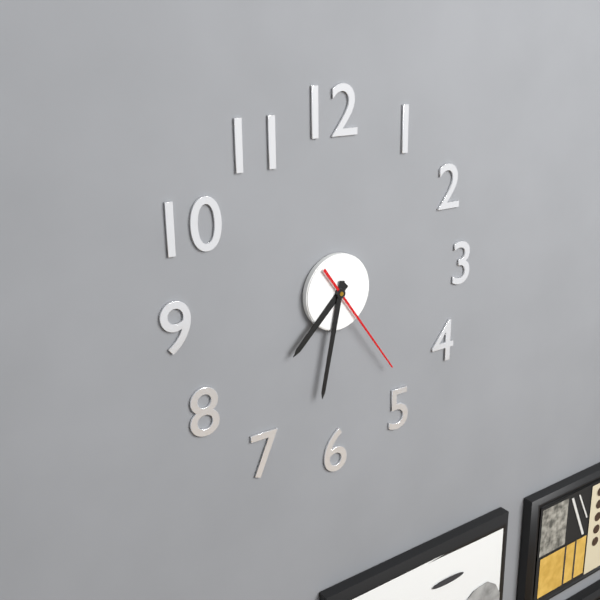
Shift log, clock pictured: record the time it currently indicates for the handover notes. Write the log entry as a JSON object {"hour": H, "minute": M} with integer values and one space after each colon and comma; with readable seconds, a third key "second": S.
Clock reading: {"hour": 7, "minute": 32, "second": 24}
